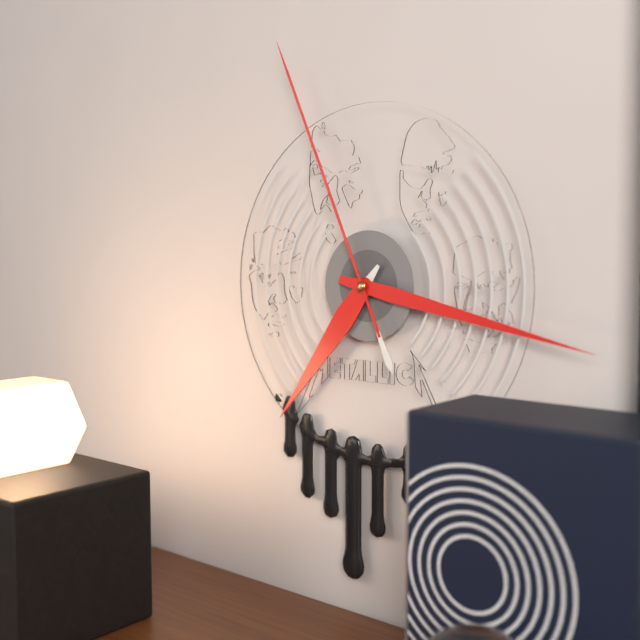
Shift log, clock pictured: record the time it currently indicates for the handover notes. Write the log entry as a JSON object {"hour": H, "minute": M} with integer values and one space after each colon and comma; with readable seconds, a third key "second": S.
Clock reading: {"hour": 7, "minute": 17, "second": 56}
